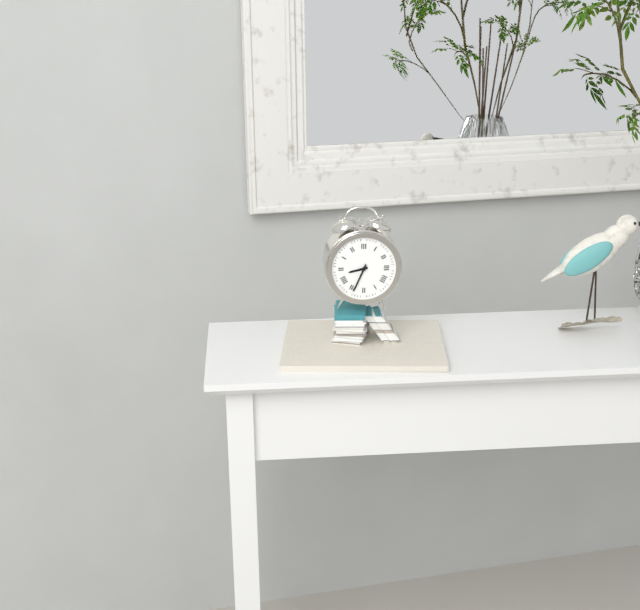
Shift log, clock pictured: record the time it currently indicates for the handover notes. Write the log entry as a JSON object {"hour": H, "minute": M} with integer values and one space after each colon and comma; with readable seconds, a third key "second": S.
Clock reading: {"hour": 8, "minute": 34}
